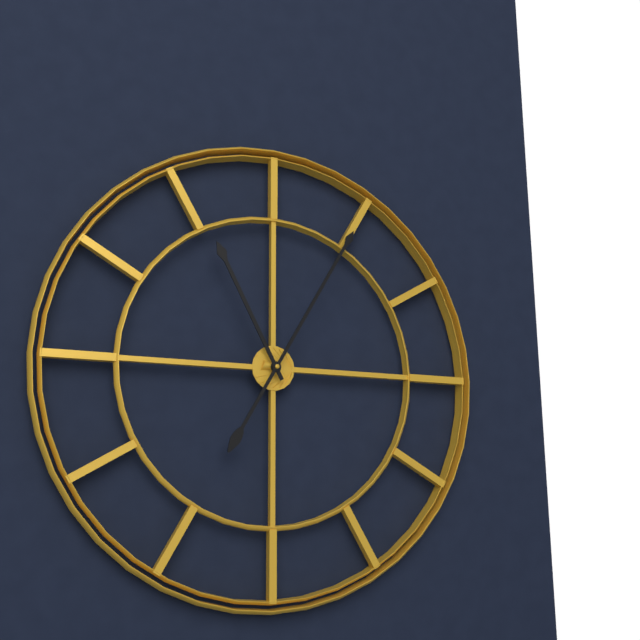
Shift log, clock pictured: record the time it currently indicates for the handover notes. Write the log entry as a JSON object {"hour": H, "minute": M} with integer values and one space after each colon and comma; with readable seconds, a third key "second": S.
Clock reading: {"hour": 11, "minute": 5}
